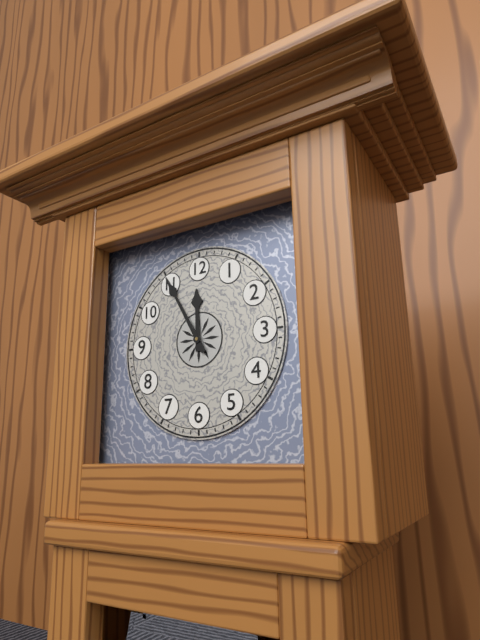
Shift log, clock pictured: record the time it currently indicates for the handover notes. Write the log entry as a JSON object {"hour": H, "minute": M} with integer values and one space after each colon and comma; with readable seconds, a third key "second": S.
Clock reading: {"hour": 11, "minute": 55}
